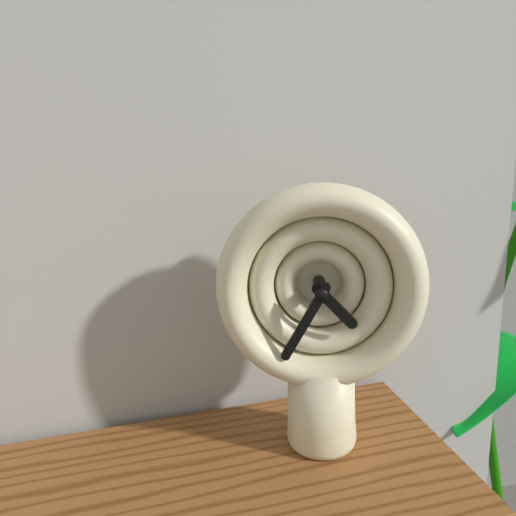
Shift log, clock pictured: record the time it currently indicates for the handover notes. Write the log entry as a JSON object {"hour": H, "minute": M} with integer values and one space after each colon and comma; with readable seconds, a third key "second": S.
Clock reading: {"hour": 4, "minute": 35}
